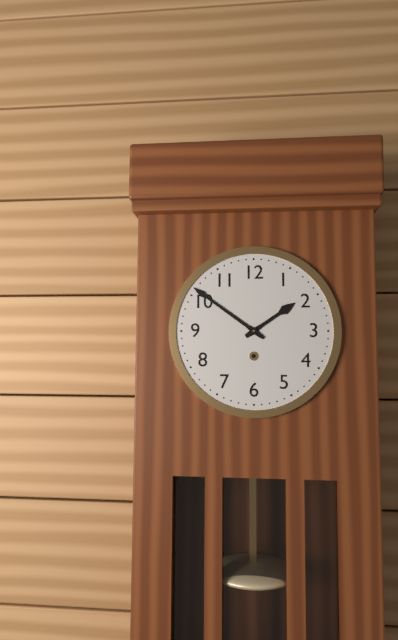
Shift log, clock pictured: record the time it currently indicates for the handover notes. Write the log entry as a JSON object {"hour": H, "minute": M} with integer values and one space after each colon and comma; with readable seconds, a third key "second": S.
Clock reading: {"hour": 1, "minute": 51}
